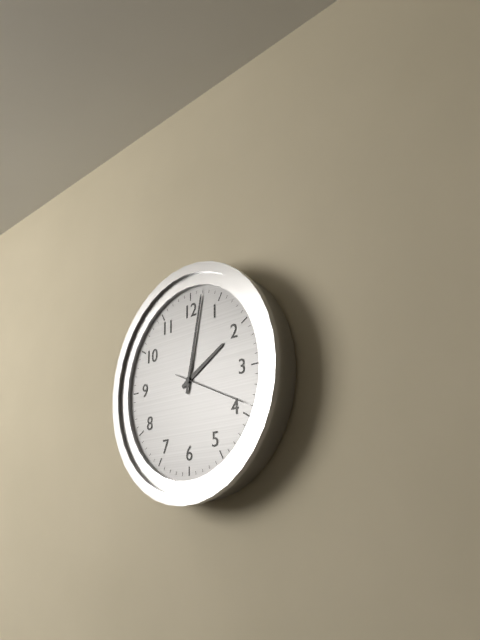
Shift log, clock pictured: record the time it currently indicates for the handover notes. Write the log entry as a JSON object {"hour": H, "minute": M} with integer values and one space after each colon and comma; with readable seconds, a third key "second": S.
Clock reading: {"hour": 2, "minute": 2, "second": 19}
